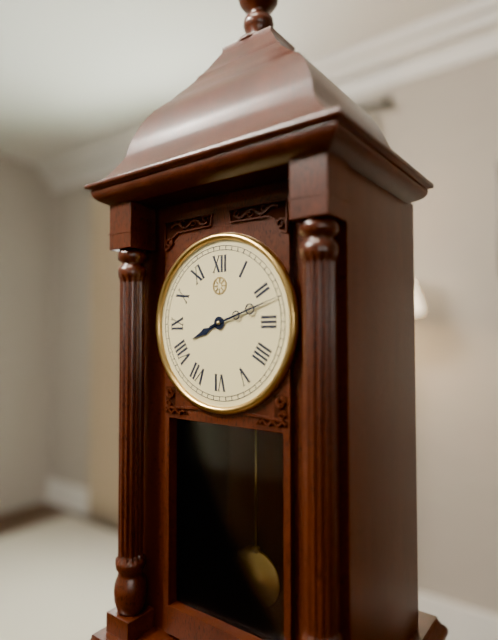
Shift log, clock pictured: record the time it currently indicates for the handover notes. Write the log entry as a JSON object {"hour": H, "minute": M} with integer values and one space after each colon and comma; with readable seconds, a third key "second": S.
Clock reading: {"hour": 8, "minute": 12}
